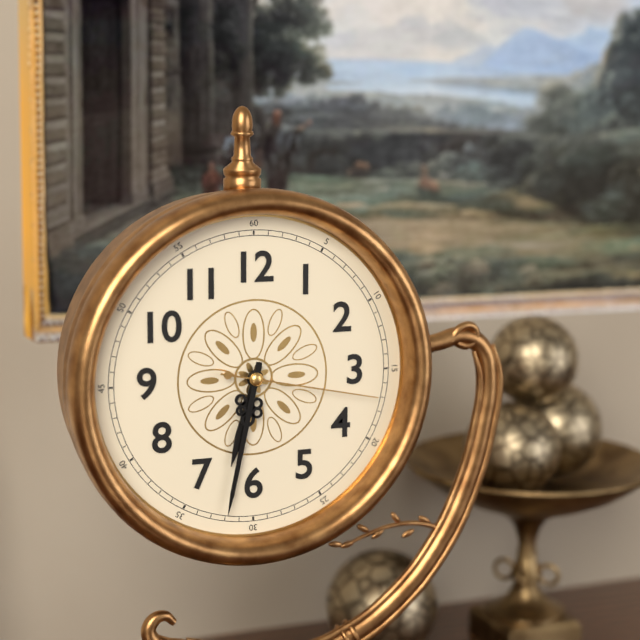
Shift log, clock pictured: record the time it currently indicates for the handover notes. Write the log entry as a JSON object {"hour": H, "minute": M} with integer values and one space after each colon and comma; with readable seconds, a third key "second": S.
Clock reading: {"hour": 6, "minute": 32, "second": 17}
